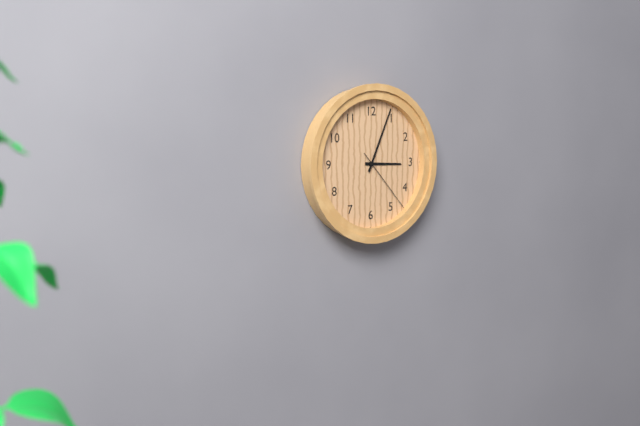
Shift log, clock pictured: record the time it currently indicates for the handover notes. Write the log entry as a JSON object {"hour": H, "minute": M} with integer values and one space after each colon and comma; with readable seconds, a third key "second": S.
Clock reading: {"hour": 3, "minute": 4, "second": 23}
